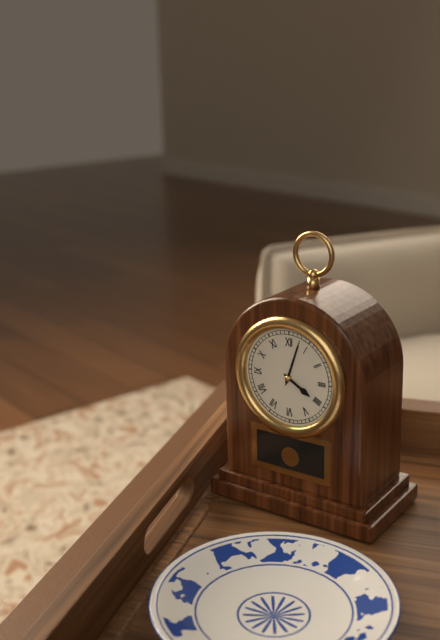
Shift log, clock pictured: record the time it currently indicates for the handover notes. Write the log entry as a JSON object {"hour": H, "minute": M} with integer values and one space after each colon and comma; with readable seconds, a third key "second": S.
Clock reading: {"hour": 4, "minute": 3}
